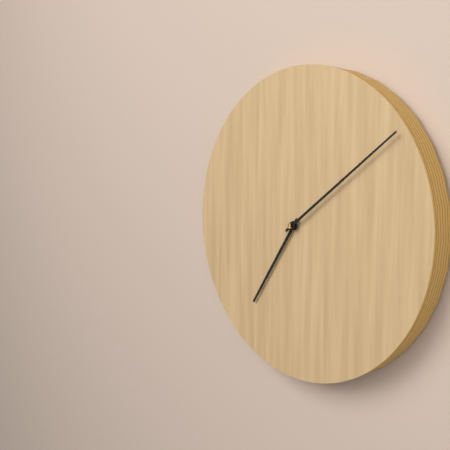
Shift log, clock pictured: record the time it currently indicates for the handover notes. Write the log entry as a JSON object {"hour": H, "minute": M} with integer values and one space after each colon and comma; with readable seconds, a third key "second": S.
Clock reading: {"hour": 7, "minute": 9}
